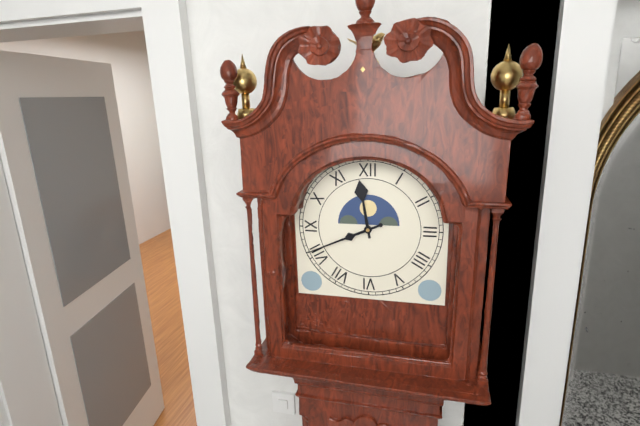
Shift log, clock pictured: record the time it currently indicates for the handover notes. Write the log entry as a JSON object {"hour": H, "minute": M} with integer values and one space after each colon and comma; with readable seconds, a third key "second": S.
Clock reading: {"hour": 11, "minute": 41}
